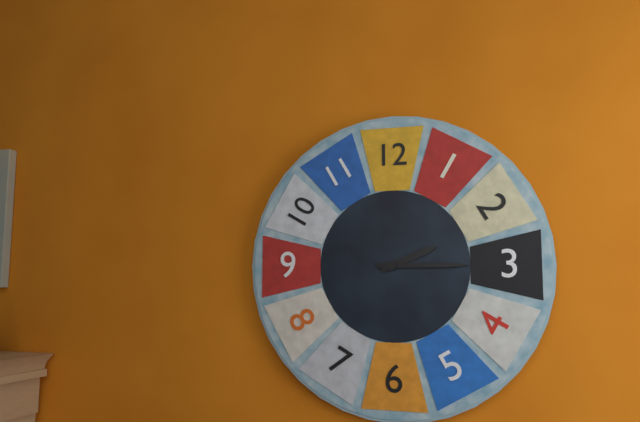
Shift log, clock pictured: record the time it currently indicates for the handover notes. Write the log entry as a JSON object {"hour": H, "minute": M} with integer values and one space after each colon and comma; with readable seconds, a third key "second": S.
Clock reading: {"hour": 2, "minute": 15}
